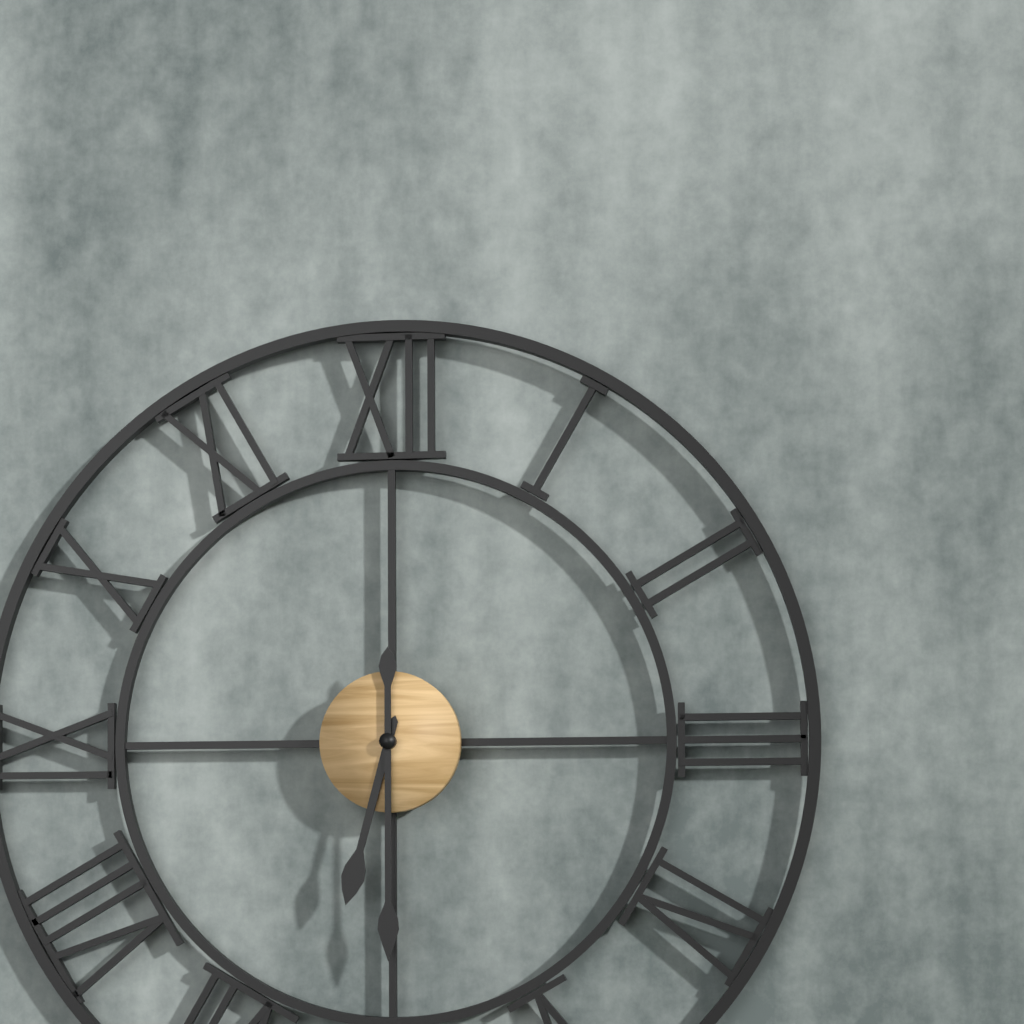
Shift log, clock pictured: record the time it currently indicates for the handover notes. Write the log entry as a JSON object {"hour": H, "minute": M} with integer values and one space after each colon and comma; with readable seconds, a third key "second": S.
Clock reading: {"hour": 6, "minute": 30}
